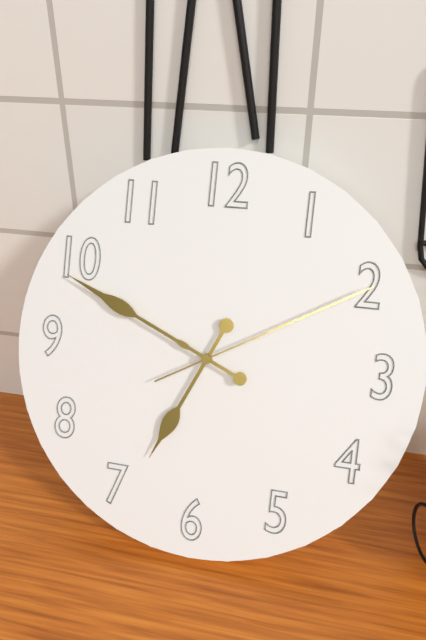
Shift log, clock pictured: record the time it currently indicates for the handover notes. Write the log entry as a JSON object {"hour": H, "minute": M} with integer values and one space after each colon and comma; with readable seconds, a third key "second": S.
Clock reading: {"hour": 6, "minute": 49, "second": 10}
